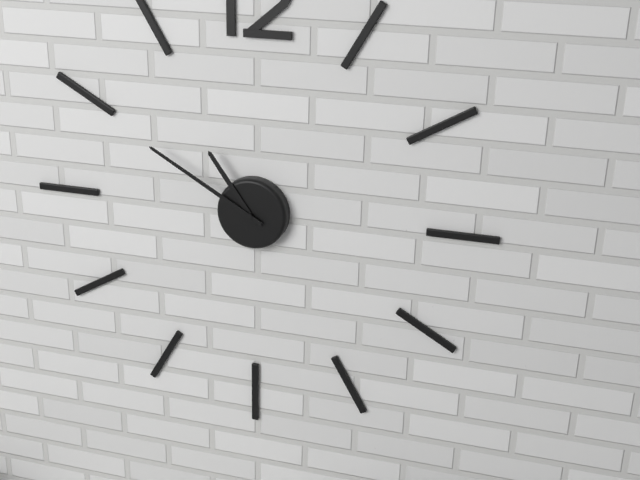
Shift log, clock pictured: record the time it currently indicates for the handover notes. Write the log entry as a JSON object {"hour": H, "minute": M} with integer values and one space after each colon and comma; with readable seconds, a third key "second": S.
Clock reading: {"hour": 10, "minute": 50}
